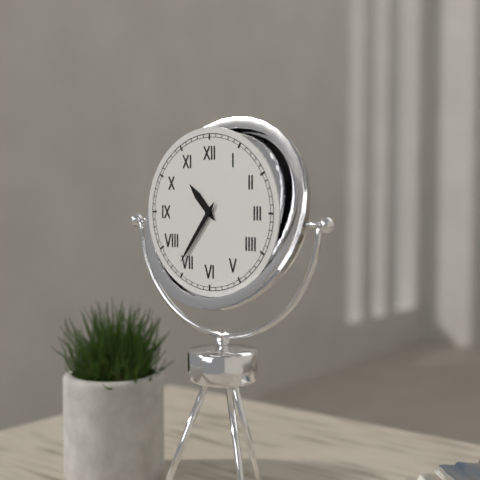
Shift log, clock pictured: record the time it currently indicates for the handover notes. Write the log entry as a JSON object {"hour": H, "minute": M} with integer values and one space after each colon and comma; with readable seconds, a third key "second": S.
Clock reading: {"hour": 10, "minute": 36}
